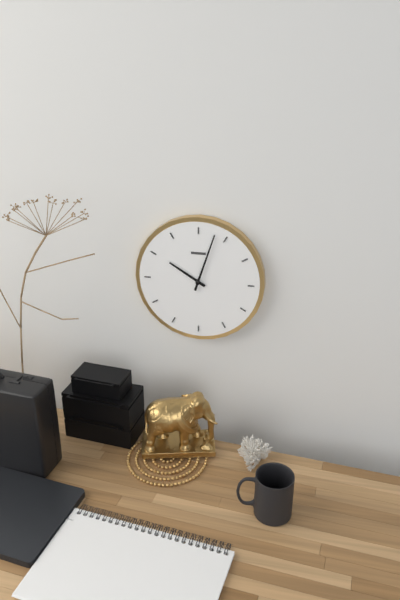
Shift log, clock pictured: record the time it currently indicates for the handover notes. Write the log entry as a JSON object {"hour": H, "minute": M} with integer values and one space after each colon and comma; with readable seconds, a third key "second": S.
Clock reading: {"hour": 10, "minute": 3}
